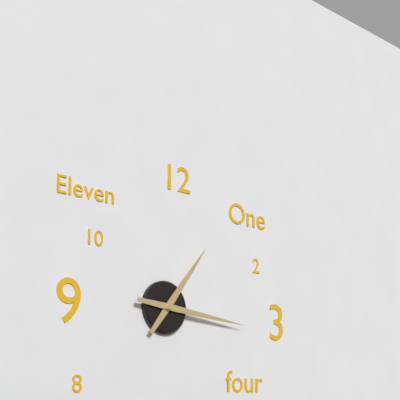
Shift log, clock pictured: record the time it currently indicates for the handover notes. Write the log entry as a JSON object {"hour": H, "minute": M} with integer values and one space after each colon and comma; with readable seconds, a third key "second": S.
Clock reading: {"hour": 1, "minute": 16}
